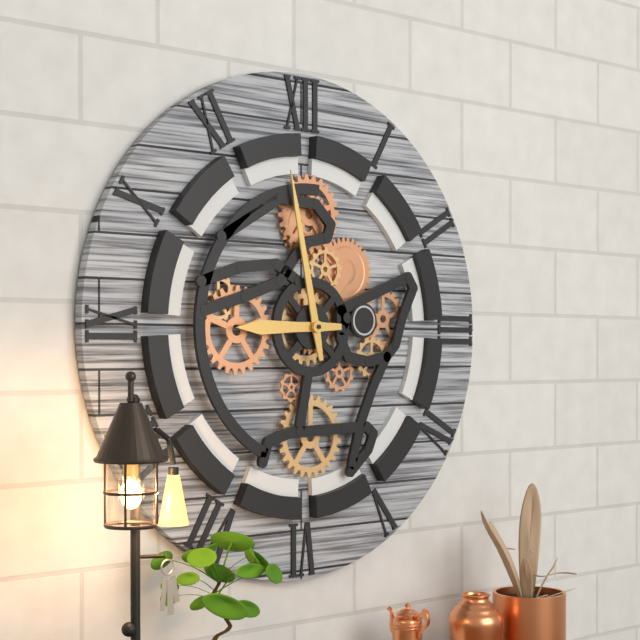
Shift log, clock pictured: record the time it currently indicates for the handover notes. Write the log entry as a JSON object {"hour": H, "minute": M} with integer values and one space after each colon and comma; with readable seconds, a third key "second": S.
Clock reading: {"hour": 8, "minute": 58}
